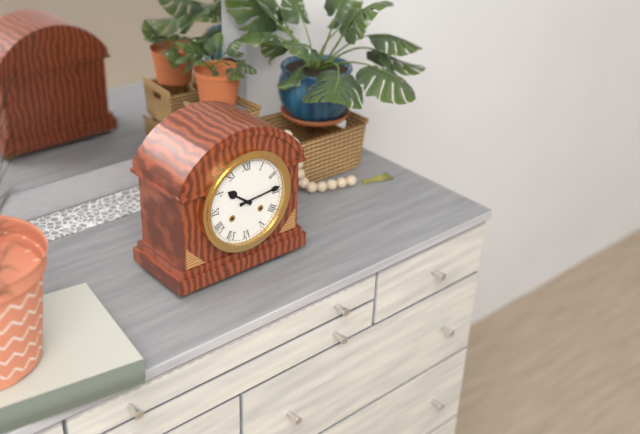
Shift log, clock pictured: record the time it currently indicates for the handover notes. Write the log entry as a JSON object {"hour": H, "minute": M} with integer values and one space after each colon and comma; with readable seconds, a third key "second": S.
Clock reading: {"hour": 10, "minute": 14}
